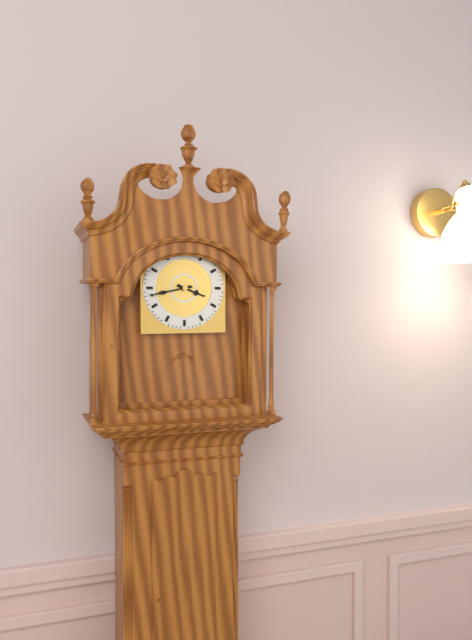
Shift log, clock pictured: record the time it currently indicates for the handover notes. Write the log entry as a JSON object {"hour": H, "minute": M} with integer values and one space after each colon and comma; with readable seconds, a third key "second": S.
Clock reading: {"hour": 3, "minute": 43}
